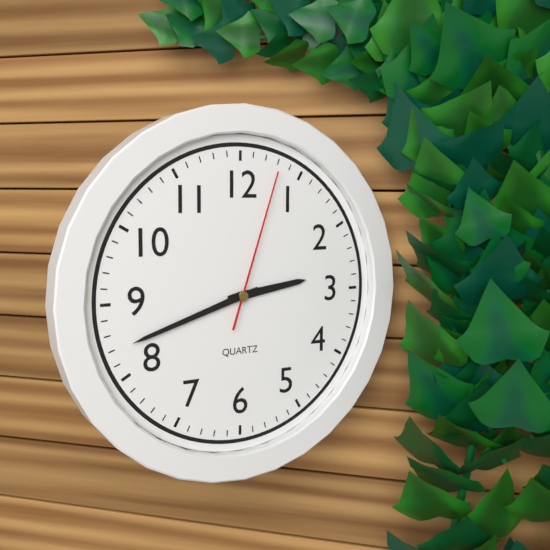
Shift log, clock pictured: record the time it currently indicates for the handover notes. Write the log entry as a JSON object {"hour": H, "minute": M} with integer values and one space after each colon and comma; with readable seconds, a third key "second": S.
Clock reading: {"hour": 2, "minute": 42, "second": 3}
